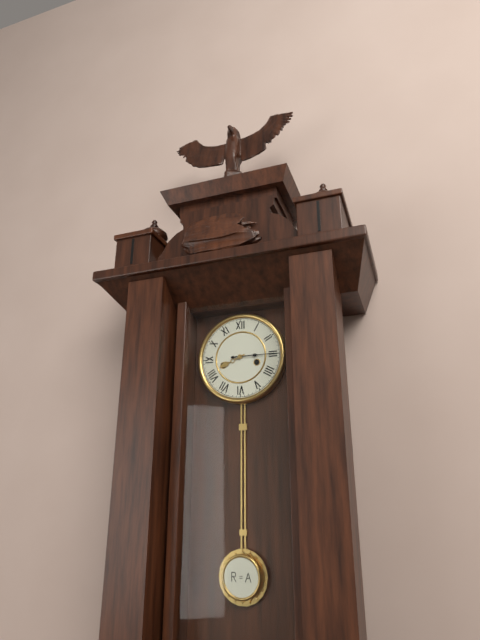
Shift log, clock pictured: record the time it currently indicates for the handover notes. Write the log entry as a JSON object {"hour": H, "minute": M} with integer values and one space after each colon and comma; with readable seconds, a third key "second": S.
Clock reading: {"hour": 8, "minute": 15}
